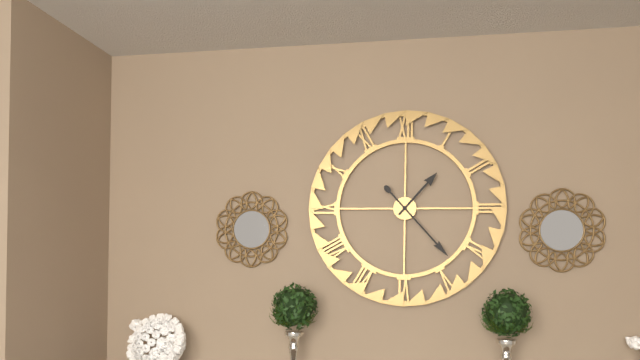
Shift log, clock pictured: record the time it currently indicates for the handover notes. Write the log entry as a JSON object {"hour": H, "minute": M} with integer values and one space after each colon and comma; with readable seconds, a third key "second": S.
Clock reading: {"hour": 1, "minute": 23}
